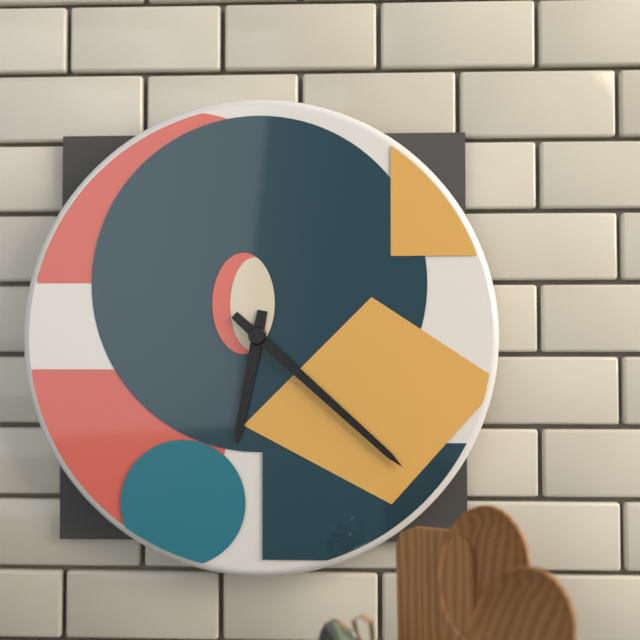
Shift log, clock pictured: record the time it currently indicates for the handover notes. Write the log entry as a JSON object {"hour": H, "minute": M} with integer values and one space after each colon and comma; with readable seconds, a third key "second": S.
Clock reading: {"hour": 6, "minute": 22}
